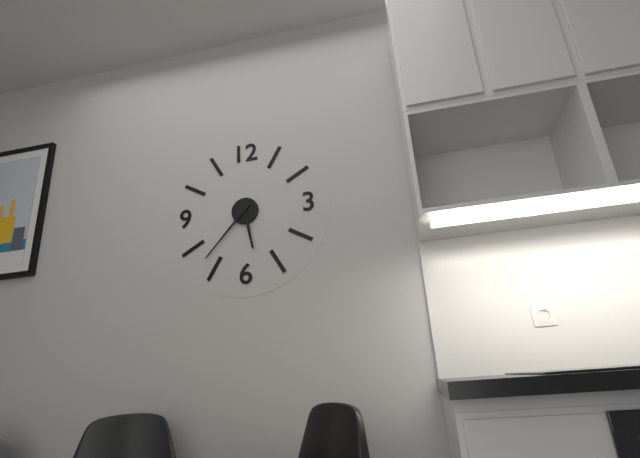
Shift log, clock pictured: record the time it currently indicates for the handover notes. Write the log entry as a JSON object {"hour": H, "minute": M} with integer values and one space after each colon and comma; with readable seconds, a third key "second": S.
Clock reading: {"hour": 5, "minute": 37}
